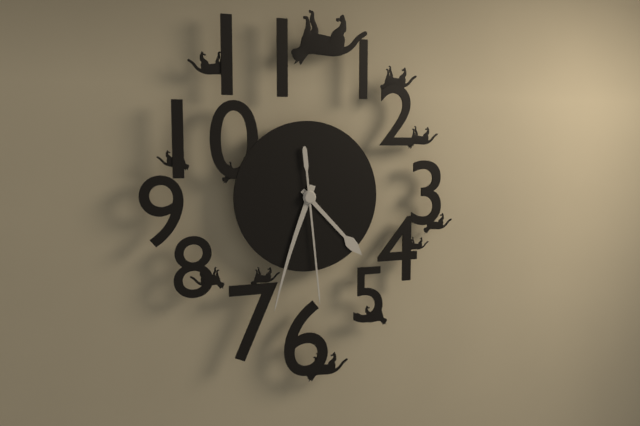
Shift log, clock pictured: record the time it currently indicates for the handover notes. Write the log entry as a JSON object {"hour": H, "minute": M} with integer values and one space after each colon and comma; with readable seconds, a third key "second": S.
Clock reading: {"hour": 4, "minute": 33, "second": 29}
